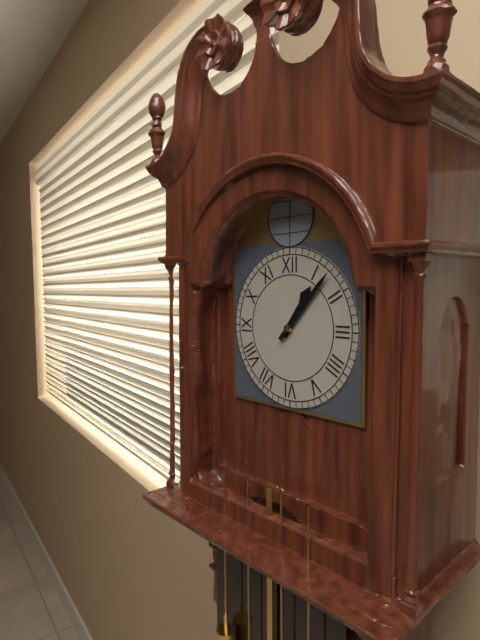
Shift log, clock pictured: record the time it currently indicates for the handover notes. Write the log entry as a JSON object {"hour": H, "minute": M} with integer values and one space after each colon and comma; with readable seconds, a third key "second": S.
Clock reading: {"hour": 1, "minute": 7}
